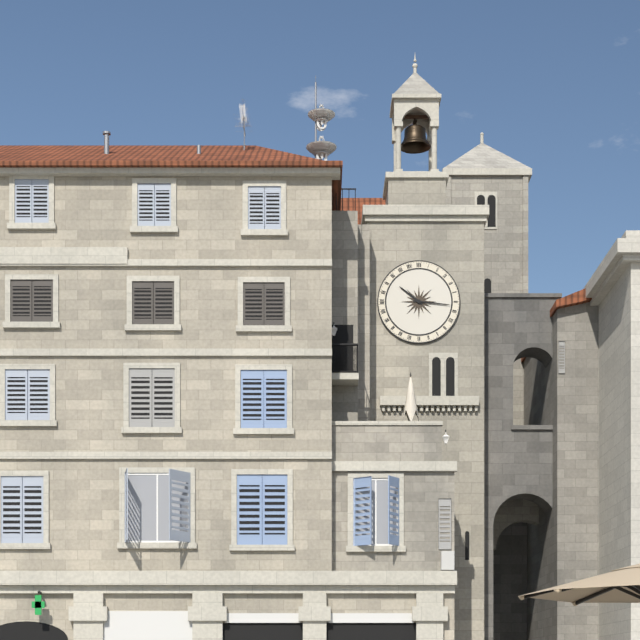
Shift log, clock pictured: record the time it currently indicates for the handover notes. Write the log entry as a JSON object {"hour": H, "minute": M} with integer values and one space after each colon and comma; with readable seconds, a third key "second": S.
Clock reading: {"hour": 10, "minute": 16}
